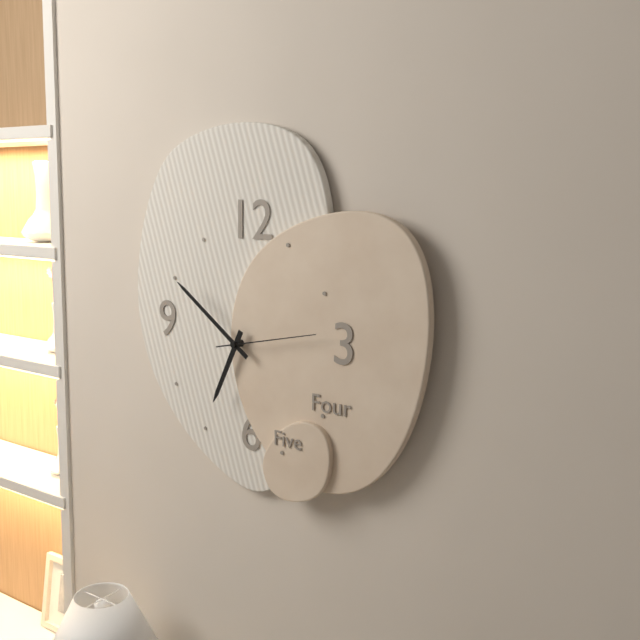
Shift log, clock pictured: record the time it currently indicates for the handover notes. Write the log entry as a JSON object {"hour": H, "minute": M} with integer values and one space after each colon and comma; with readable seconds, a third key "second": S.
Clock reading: {"hour": 6, "minute": 51, "second": 13}
